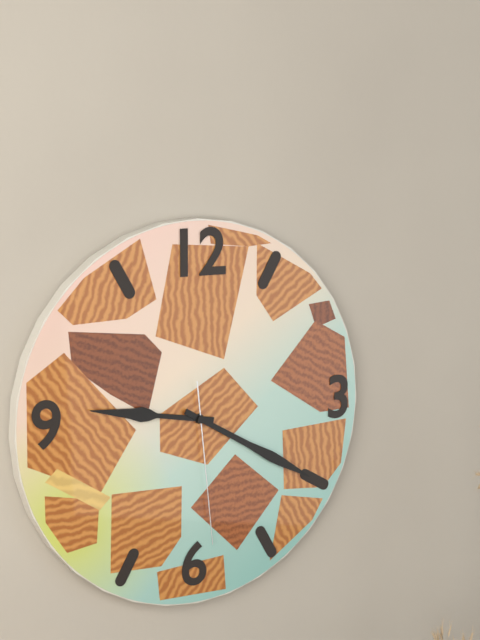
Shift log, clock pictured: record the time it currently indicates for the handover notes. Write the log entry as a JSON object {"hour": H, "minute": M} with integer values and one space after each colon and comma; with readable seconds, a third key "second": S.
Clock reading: {"hour": 9, "minute": 20, "second": 29}
